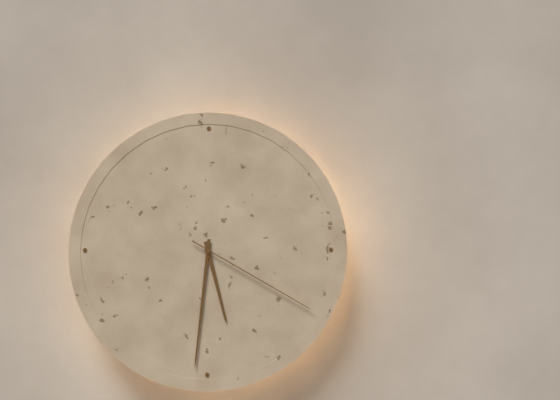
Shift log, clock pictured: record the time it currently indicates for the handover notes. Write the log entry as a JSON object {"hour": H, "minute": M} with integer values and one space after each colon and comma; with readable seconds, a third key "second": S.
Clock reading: {"hour": 5, "minute": 31, "second": 20}
